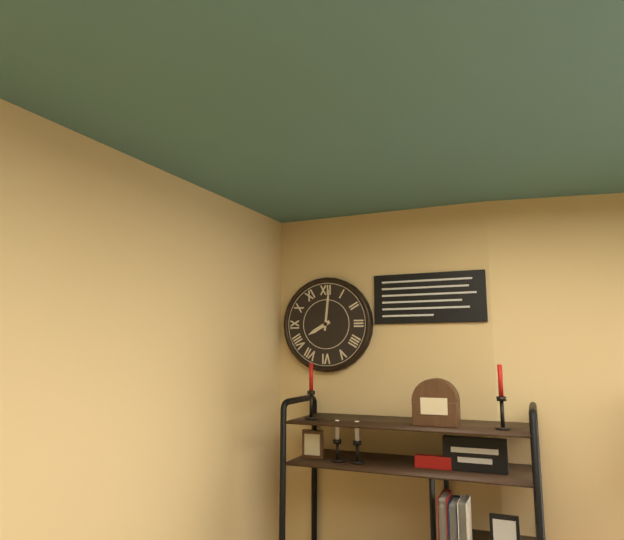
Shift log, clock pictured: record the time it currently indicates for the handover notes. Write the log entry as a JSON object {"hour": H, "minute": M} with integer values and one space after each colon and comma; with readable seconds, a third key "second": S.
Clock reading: {"hour": 8, "minute": 1}
